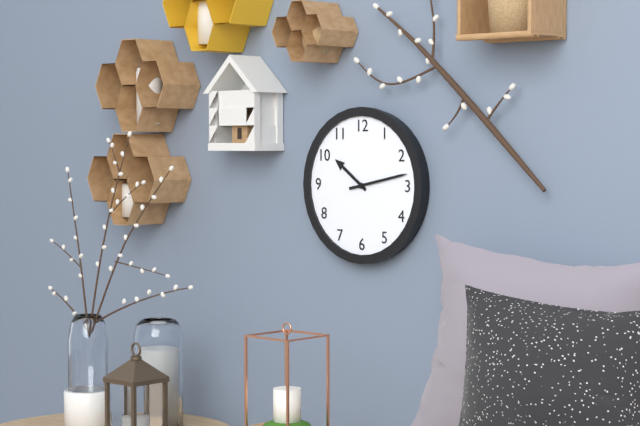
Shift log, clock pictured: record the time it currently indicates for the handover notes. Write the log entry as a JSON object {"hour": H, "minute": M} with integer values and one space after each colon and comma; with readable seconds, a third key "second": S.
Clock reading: {"hour": 10, "minute": 13}
